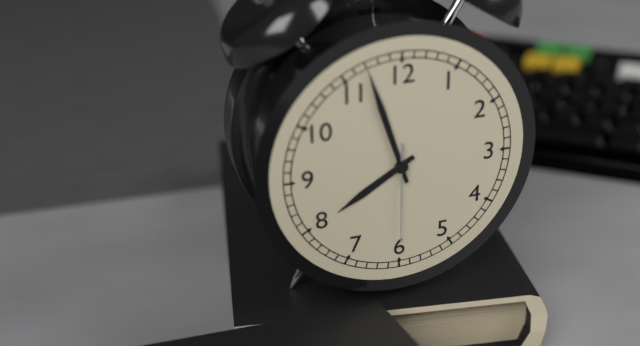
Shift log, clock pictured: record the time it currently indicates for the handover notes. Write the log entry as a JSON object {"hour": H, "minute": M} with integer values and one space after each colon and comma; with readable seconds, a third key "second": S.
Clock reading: {"hour": 7, "minute": 57, "second": 30}
